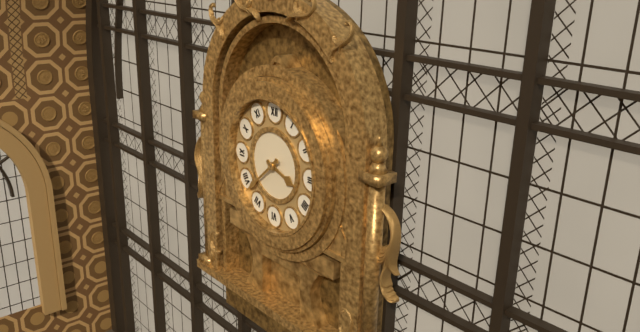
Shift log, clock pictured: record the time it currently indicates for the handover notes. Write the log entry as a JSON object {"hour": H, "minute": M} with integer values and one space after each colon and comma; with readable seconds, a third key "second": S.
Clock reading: {"hour": 3, "minute": 38}
